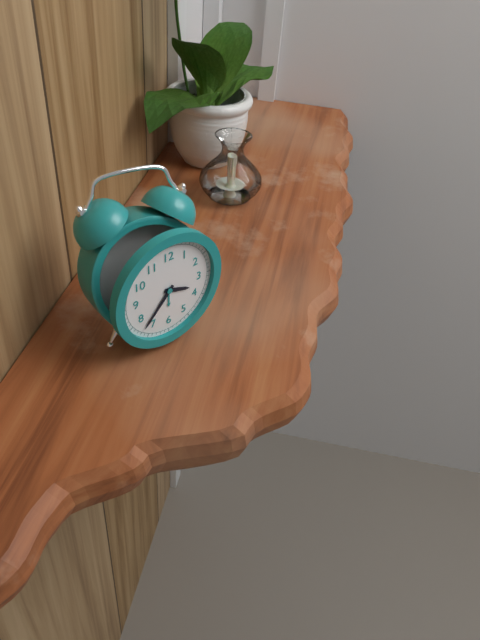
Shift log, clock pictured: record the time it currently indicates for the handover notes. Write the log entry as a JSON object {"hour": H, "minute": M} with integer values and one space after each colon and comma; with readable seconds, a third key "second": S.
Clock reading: {"hour": 3, "minute": 37}
